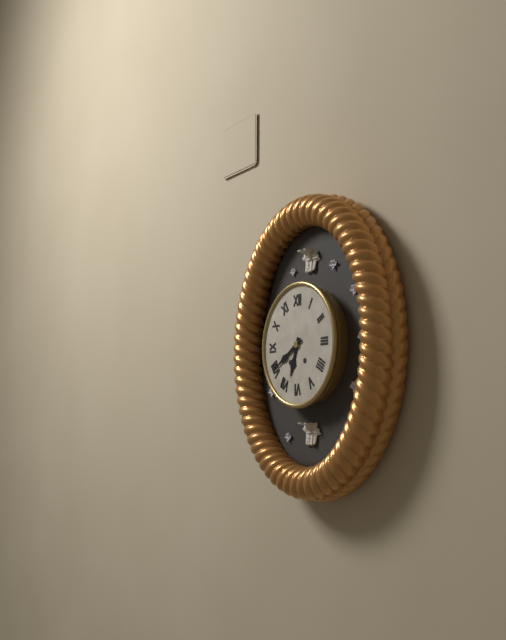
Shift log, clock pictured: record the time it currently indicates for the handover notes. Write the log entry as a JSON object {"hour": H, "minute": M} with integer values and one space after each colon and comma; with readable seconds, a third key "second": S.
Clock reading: {"hour": 6, "minute": 40}
